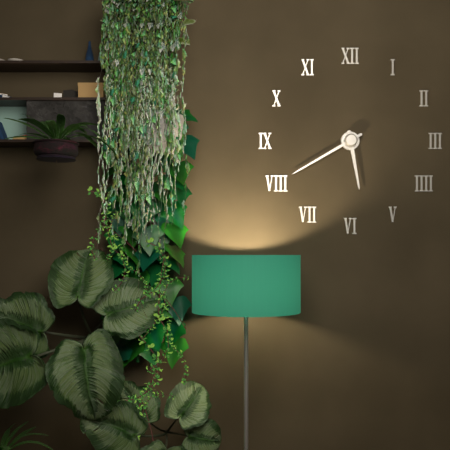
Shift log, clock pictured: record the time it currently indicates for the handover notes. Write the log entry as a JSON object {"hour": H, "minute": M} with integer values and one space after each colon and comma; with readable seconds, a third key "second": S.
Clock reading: {"hour": 5, "minute": 40}
